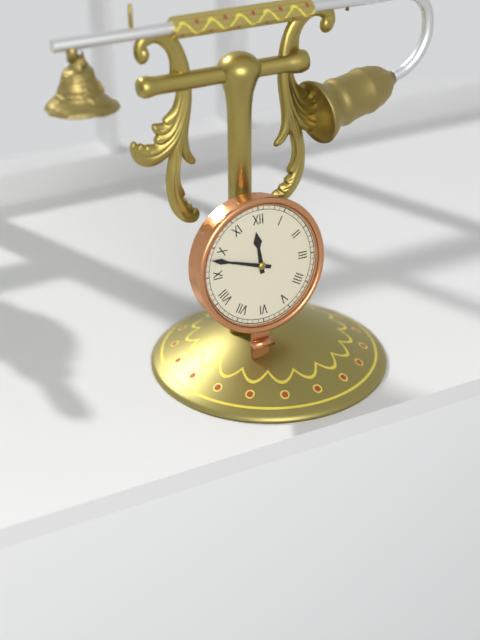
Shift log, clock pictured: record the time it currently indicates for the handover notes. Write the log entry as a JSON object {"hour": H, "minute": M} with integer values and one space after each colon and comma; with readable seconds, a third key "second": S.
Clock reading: {"hour": 11, "minute": 48}
